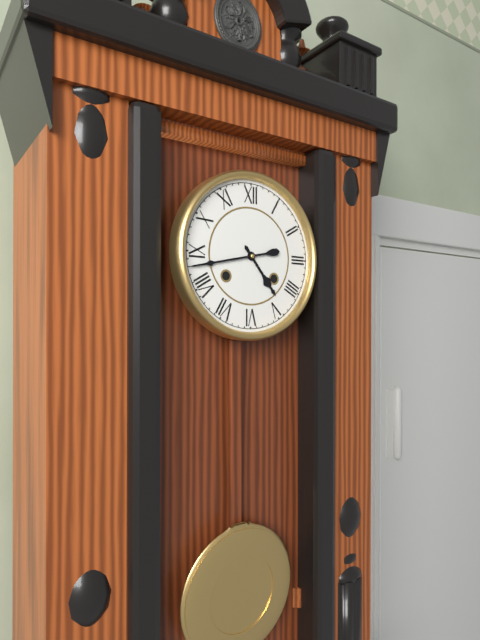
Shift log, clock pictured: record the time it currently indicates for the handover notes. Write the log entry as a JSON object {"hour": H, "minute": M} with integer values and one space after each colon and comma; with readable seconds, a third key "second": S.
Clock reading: {"hour": 4, "minute": 43}
